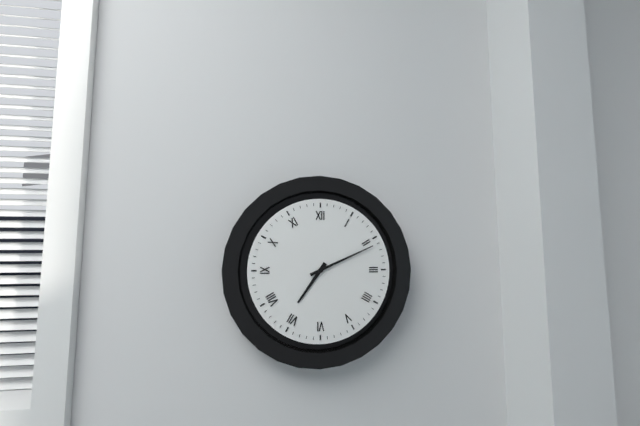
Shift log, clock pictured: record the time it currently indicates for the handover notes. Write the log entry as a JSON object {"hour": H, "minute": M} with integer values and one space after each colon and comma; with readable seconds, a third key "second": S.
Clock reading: {"hour": 7, "minute": 11}
